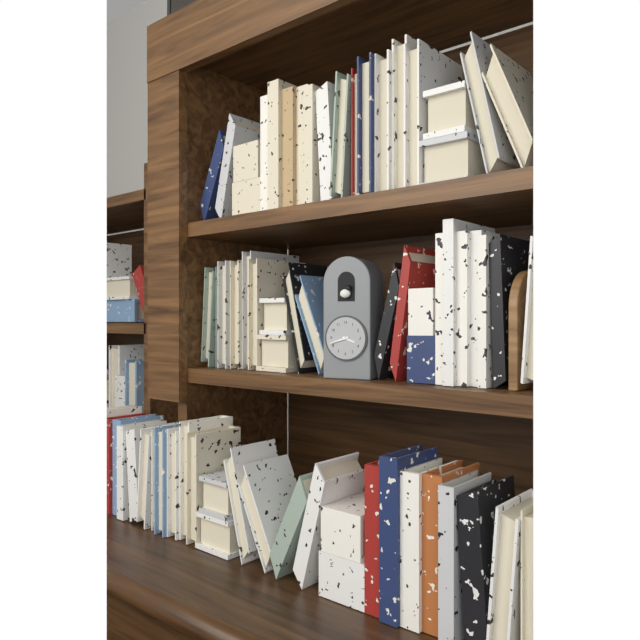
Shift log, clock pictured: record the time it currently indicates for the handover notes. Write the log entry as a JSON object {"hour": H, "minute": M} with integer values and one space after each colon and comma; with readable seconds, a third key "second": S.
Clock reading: {"hour": 3, "minute": 42}
